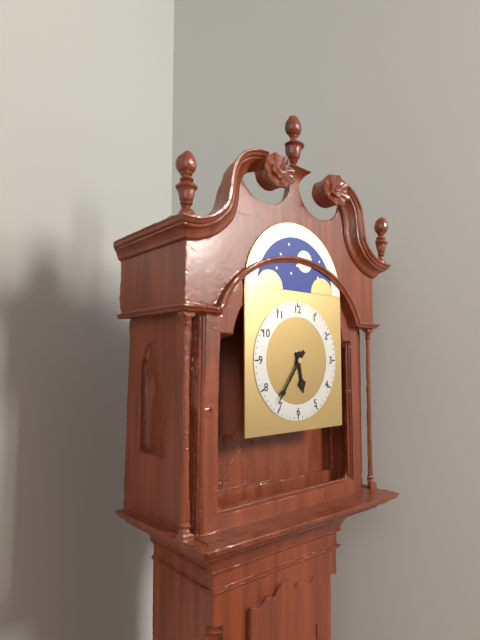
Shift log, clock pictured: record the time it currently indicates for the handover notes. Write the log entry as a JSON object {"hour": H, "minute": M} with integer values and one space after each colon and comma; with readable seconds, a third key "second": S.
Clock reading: {"hour": 5, "minute": 36}
